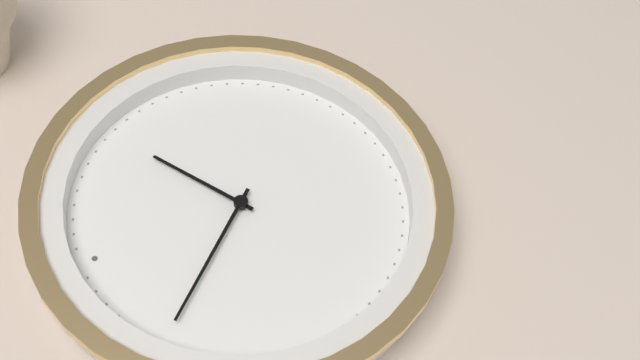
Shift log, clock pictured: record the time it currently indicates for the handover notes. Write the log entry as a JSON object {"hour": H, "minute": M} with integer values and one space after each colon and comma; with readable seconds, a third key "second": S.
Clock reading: {"hour": 1, "minute": 53}
